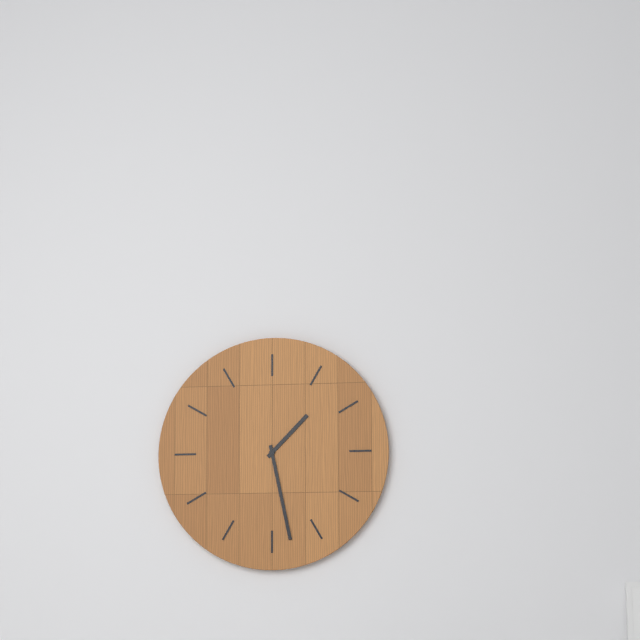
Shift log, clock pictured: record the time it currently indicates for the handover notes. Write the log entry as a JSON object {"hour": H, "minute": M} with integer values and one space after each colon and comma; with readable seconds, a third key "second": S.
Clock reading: {"hour": 1, "minute": 28}
